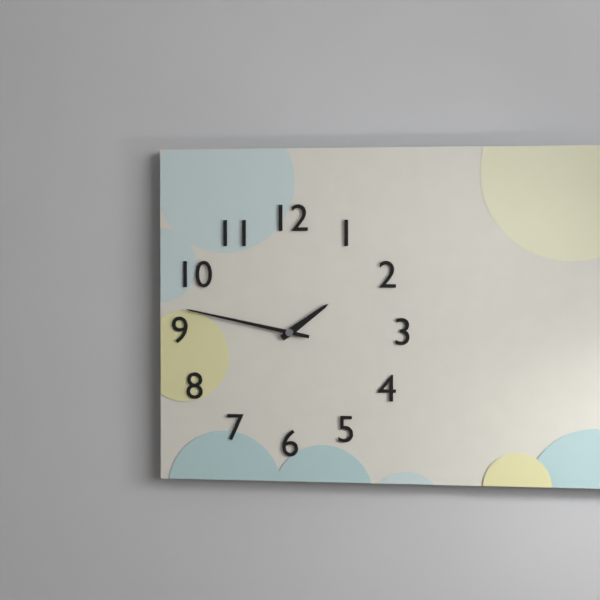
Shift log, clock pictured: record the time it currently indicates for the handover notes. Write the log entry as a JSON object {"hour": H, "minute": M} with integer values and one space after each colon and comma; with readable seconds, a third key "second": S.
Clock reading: {"hour": 1, "minute": 47}
